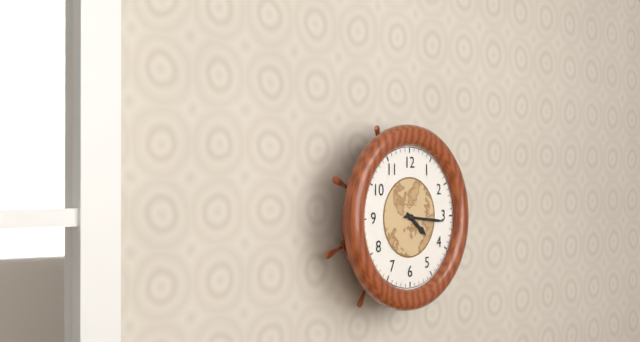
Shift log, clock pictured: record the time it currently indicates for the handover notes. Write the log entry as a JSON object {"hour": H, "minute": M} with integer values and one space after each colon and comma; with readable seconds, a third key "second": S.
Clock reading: {"hour": 4, "minute": 16}
